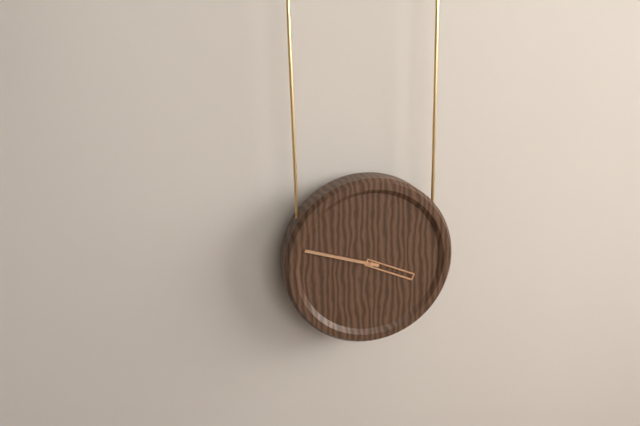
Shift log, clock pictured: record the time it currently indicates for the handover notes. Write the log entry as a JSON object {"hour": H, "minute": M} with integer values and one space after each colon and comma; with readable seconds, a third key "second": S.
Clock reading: {"hour": 3, "minute": 48}
